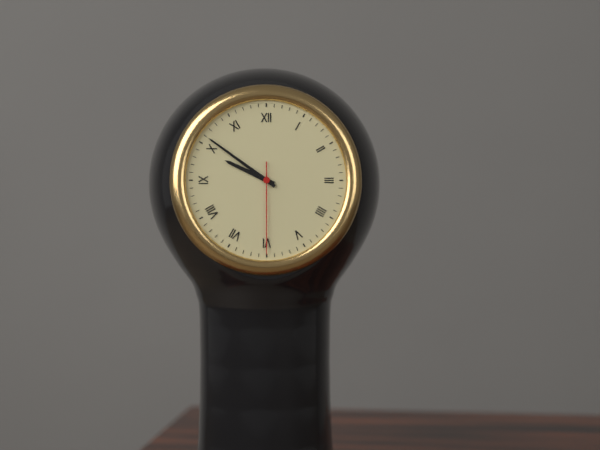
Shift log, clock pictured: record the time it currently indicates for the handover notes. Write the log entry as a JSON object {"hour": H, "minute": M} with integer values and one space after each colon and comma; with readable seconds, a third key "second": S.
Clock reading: {"hour": 9, "minute": 51, "second": 30}
